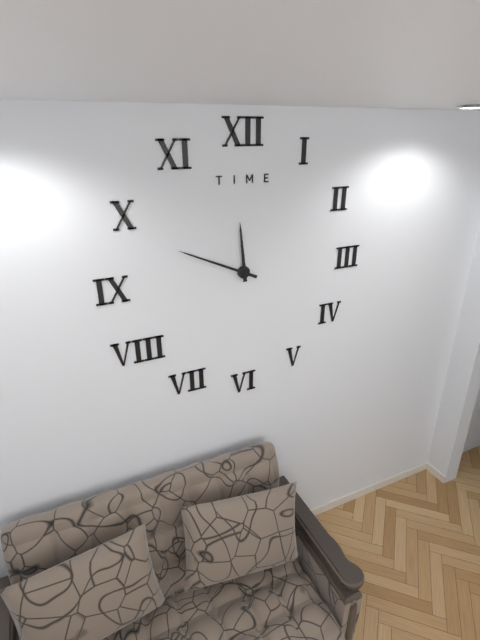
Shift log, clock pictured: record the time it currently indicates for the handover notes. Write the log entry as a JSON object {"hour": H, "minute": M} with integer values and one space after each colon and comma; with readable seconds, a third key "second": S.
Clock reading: {"hour": 11, "minute": 49}
